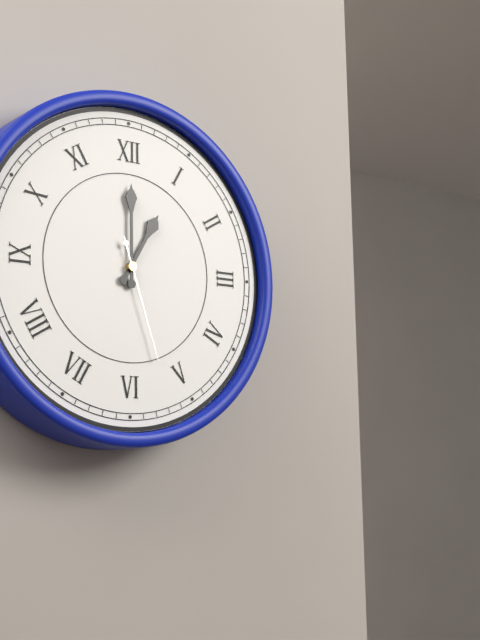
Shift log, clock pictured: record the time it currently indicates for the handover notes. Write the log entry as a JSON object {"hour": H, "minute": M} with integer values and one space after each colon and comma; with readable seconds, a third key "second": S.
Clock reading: {"hour": 1, "minute": 0, "second": 27}
